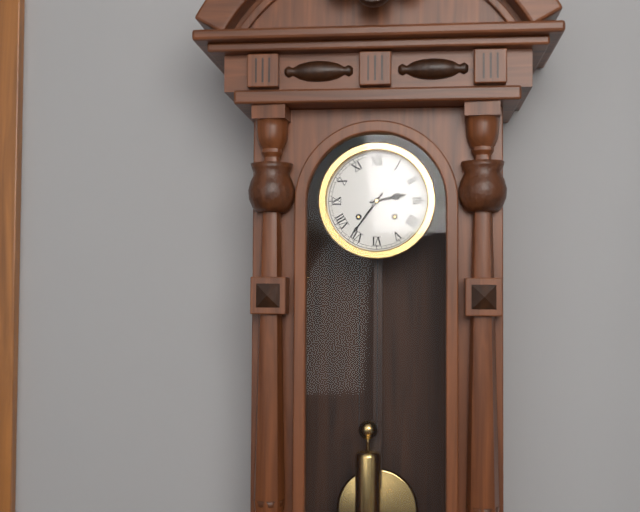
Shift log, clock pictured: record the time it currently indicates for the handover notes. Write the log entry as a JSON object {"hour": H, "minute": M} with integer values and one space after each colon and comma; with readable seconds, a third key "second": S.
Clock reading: {"hour": 2, "minute": 36}
